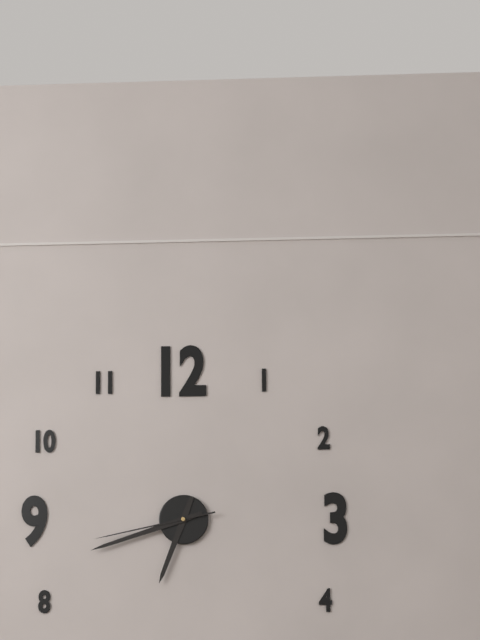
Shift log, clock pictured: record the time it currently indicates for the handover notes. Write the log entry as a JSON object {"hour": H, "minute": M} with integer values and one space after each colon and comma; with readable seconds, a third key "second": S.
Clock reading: {"hour": 6, "minute": 42, "second": 43}
